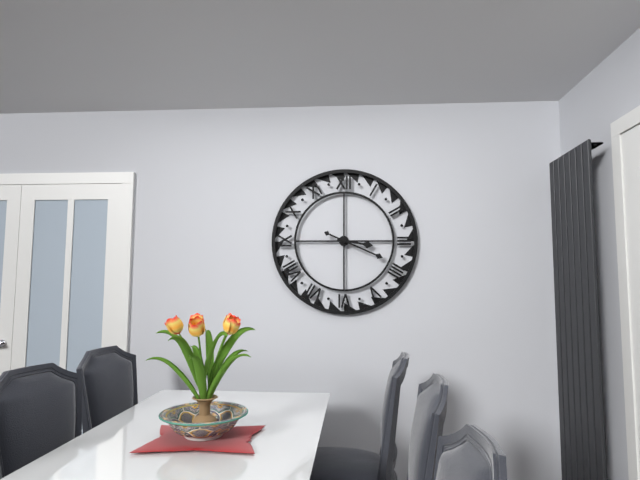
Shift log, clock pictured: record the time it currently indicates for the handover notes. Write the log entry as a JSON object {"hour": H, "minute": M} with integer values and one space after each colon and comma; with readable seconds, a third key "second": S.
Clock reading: {"hour": 3, "minute": 19}
